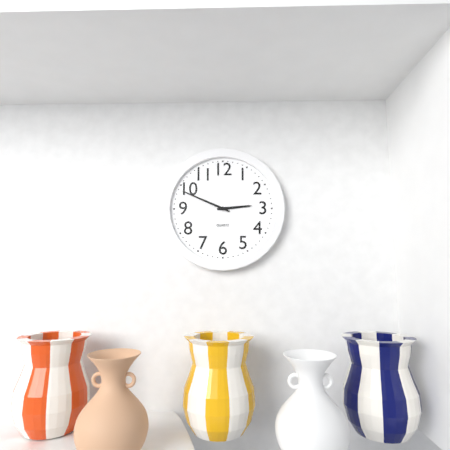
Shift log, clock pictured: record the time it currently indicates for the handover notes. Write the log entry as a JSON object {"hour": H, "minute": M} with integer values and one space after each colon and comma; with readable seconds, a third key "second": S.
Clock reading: {"hour": 2, "minute": 49}
